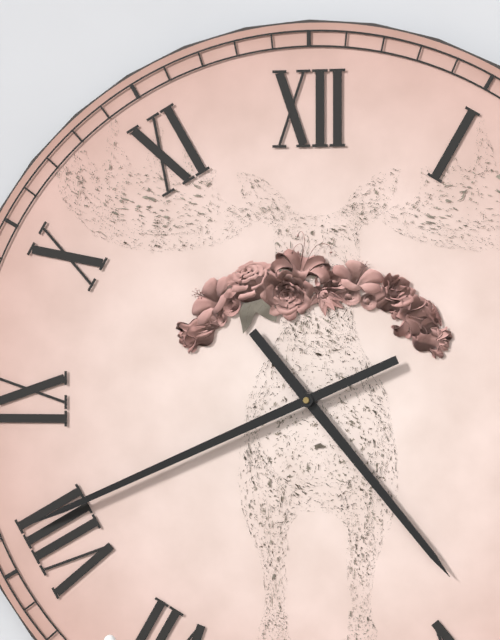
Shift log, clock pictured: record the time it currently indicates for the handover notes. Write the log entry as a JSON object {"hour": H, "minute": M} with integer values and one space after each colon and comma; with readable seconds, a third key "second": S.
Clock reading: {"hour": 4, "minute": 41}
